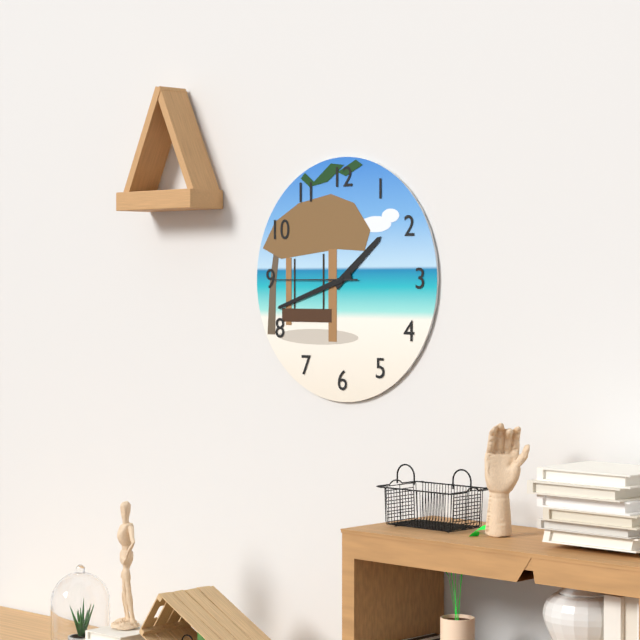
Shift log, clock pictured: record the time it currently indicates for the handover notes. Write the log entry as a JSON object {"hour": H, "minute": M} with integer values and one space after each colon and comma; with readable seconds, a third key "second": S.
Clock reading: {"hour": 1, "minute": 42, "second": 45}
